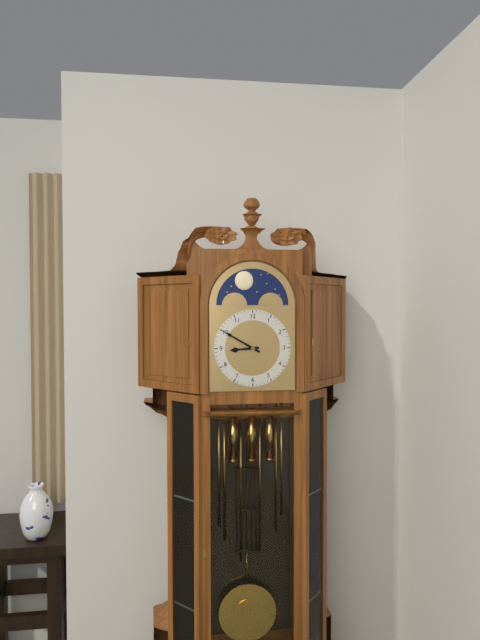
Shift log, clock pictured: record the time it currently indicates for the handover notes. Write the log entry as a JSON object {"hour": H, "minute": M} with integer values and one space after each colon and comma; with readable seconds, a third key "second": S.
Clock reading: {"hour": 8, "minute": 50}
